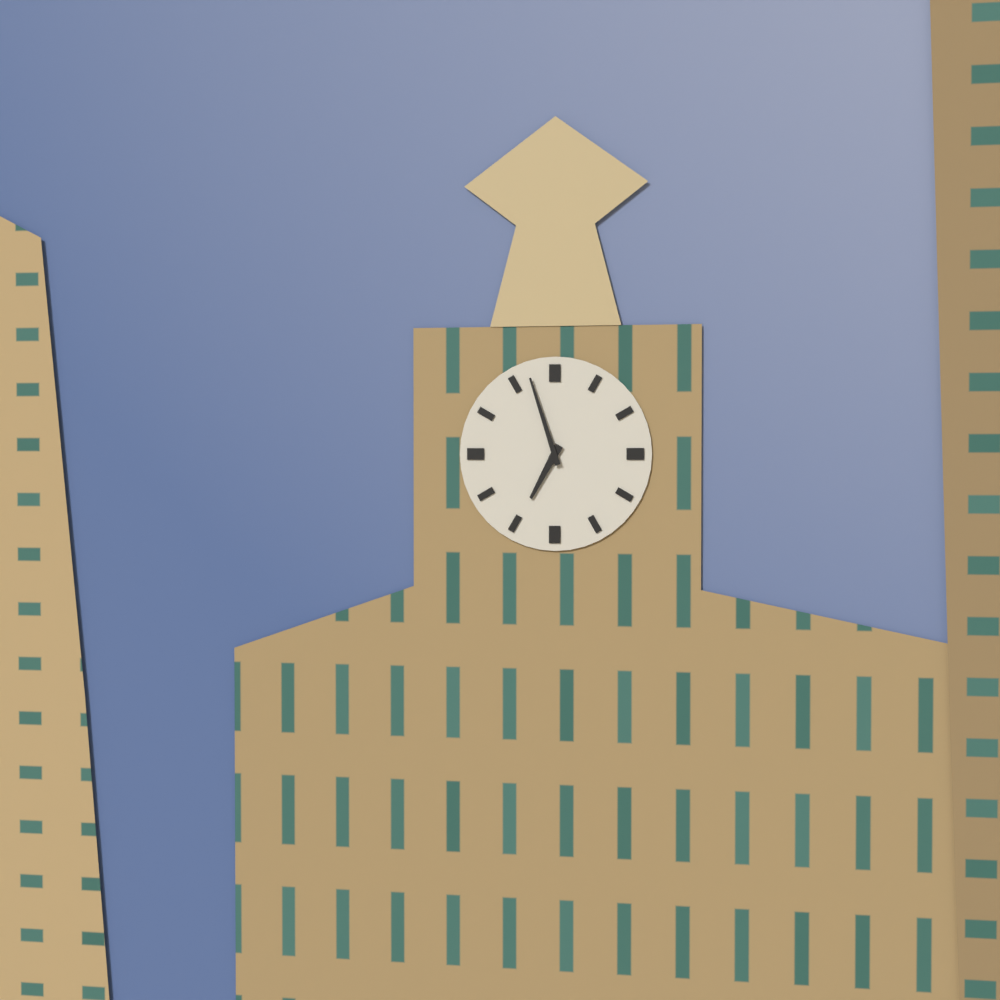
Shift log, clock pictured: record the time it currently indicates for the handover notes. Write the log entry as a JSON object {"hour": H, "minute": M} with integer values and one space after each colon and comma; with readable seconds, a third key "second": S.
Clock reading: {"hour": 6, "minute": 57}
